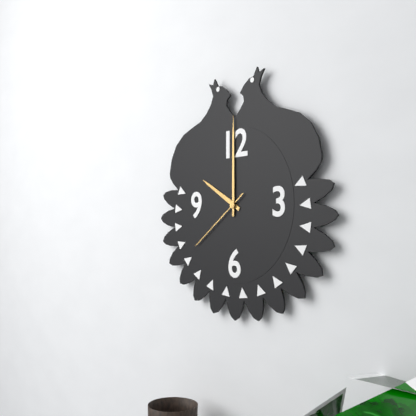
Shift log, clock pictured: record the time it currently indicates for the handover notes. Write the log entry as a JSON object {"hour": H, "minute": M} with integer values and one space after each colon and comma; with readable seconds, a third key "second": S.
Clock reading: {"hour": 10, "minute": 0, "second": 39}
